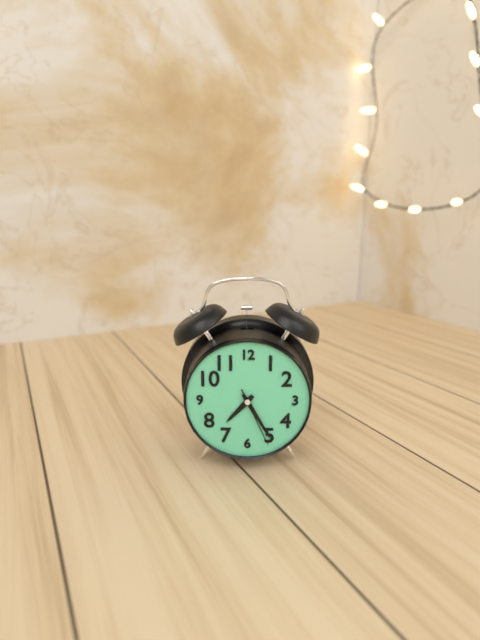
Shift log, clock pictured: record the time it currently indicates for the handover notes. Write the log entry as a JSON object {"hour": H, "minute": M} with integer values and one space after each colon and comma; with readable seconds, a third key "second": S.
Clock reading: {"hour": 7, "minute": 25, "second": 26}
